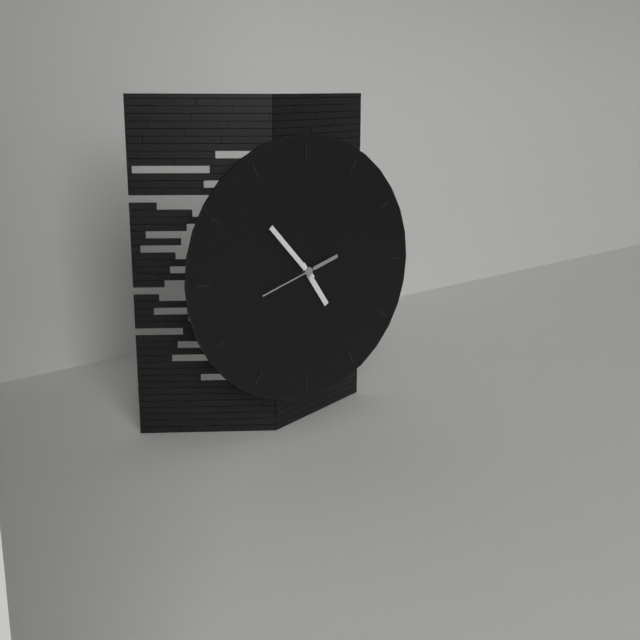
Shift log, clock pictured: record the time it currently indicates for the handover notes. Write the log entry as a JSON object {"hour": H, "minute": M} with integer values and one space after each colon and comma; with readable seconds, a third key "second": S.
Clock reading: {"hour": 4, "minute": 53, "second": 42}
